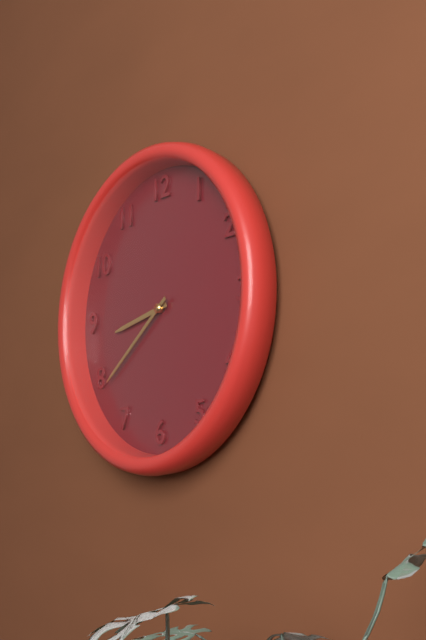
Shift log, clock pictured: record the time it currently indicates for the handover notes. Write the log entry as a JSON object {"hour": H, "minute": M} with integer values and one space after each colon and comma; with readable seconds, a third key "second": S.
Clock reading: {"hour": 8, "minute": 39}
